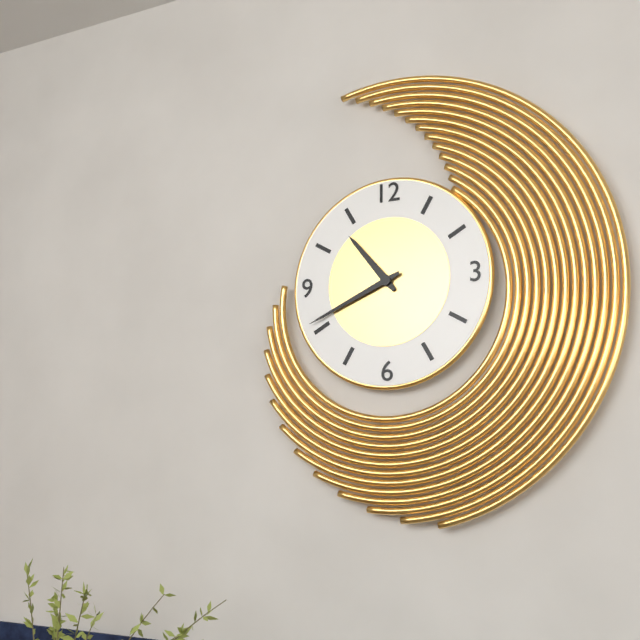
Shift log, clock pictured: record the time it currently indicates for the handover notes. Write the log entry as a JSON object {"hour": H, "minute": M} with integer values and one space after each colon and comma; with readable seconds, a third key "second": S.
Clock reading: {"hour": 10, "minute": 41}
